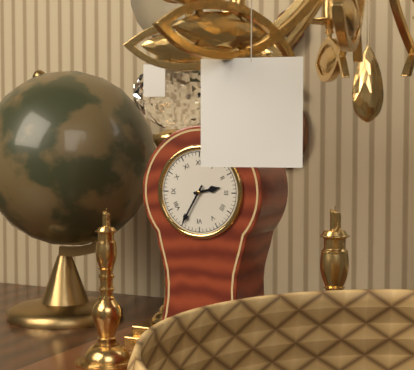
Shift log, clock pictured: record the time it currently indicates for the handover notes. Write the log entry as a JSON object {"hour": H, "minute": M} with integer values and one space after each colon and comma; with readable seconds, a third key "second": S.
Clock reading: {"hour": 2, "minute": 35}
